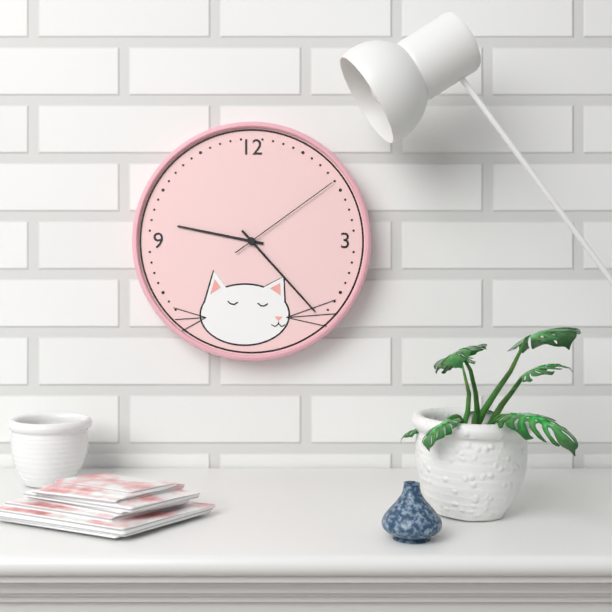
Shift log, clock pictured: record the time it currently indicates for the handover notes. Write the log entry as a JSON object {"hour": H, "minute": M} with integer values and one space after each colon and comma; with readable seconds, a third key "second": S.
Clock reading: {"hour": 9, "minute": 23, "second": 9}
